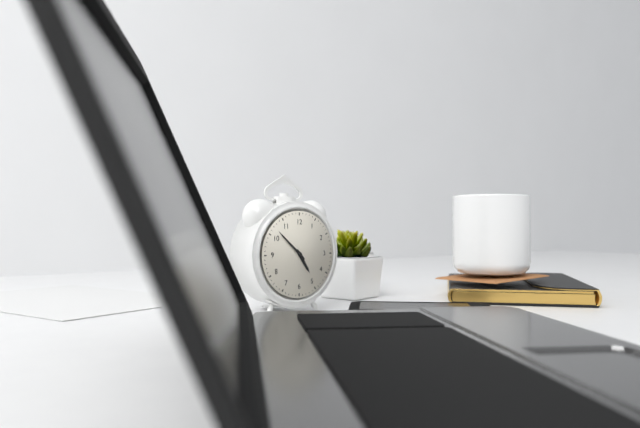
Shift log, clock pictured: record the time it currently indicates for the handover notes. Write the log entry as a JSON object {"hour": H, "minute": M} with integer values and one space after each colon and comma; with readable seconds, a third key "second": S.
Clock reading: {"hour": 4, "minute": 52}
